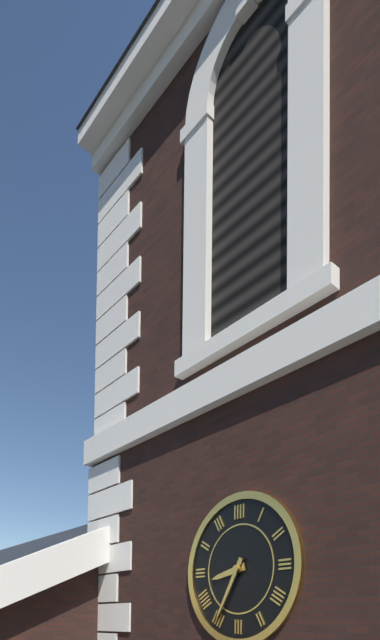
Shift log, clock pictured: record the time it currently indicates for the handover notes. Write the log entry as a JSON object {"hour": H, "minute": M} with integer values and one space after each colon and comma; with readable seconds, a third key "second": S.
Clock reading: {"hour": 8, "minute": 35}
